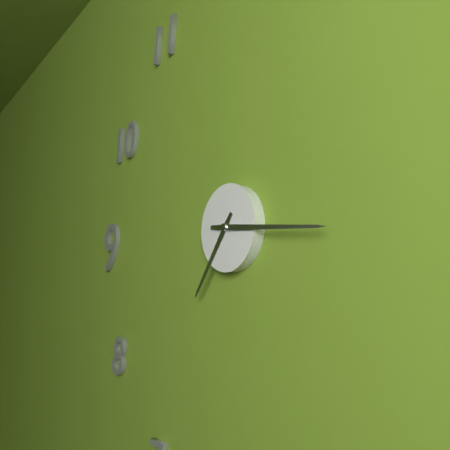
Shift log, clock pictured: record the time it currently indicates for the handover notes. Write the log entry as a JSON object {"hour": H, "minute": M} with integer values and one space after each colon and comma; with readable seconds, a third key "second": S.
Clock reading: {"hour": 7, "minute": 16}
